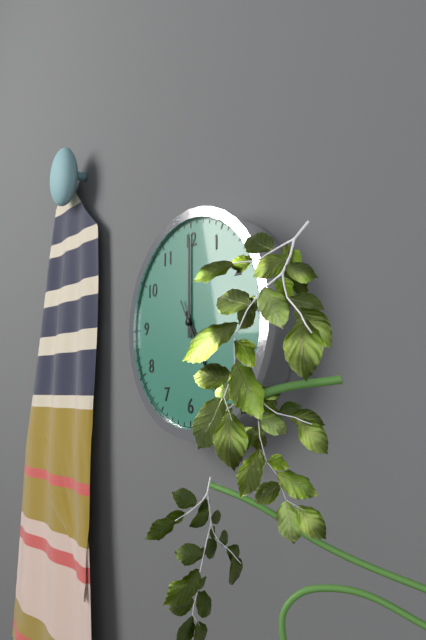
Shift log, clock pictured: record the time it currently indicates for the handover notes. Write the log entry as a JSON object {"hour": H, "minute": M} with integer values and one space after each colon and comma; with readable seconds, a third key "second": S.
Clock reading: {"hour": 5, "minute": 0, "second": 25}
